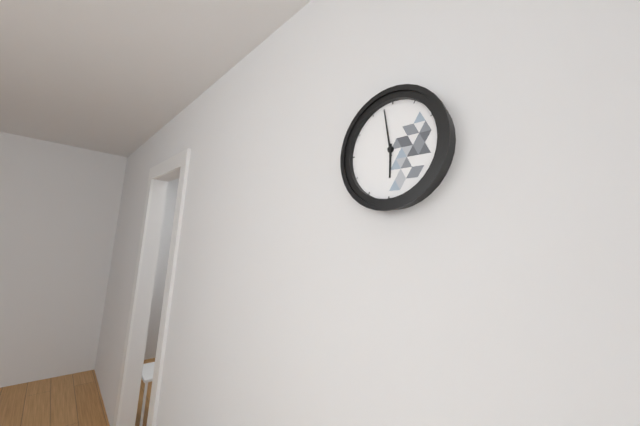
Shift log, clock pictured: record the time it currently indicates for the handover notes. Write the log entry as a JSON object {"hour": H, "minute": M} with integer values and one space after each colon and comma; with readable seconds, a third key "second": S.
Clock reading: {"hour": 5, "minute": 58}
